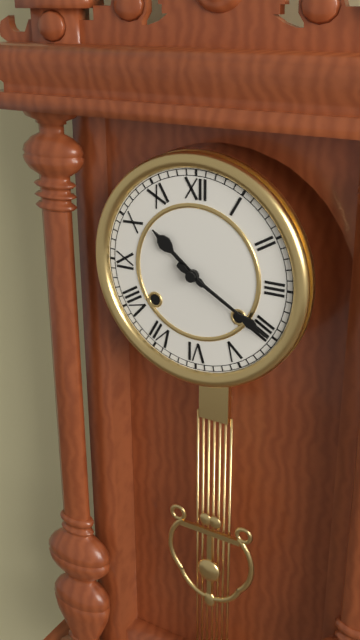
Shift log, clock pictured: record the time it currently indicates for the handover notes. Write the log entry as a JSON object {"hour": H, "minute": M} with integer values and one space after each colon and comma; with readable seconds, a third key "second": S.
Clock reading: {"hour": 10, "minute": 20}
